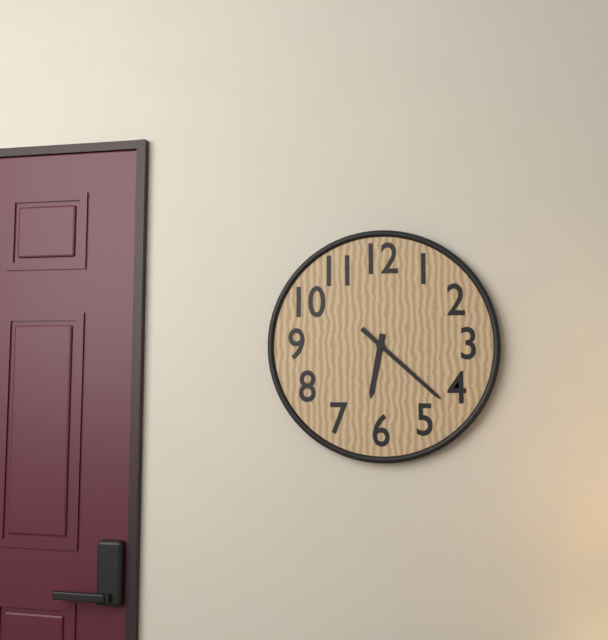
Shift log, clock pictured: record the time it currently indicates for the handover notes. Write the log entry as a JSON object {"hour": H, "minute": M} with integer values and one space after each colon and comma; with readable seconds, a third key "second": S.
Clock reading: {"hour": 6, "minute": 22}
